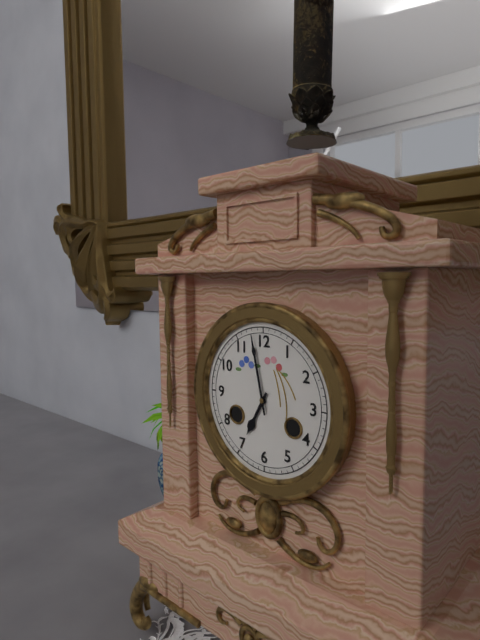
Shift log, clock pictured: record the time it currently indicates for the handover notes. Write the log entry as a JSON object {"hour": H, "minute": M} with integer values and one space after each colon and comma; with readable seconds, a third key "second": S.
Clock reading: {"hour": 6, "minute": 58}
